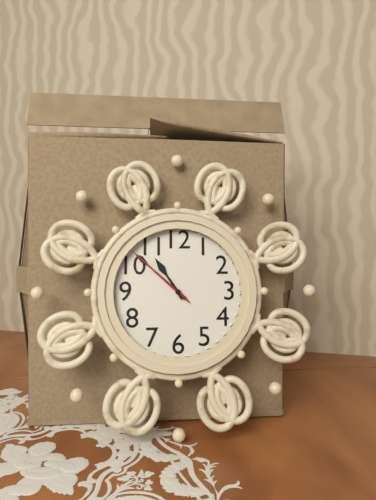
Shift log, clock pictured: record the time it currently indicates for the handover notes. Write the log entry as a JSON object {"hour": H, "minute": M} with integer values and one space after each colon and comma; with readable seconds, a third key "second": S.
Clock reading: {"hour": 10, "minute": 52, "second": 52}
